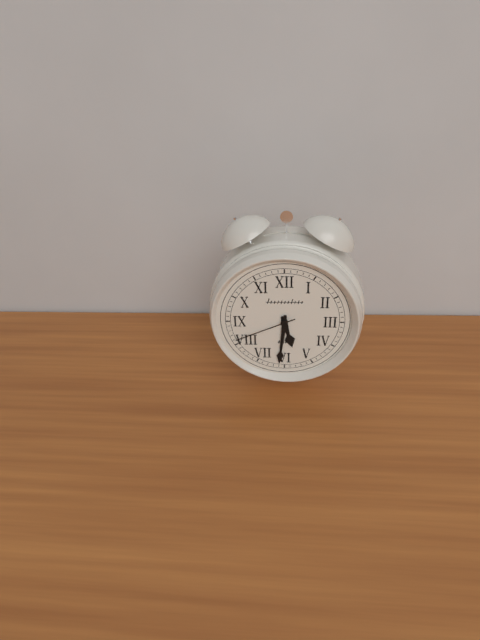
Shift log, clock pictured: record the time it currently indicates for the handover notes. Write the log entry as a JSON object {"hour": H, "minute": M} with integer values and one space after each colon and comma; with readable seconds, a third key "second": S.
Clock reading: {"hour": 5, "minute": 31, "second": 41}
